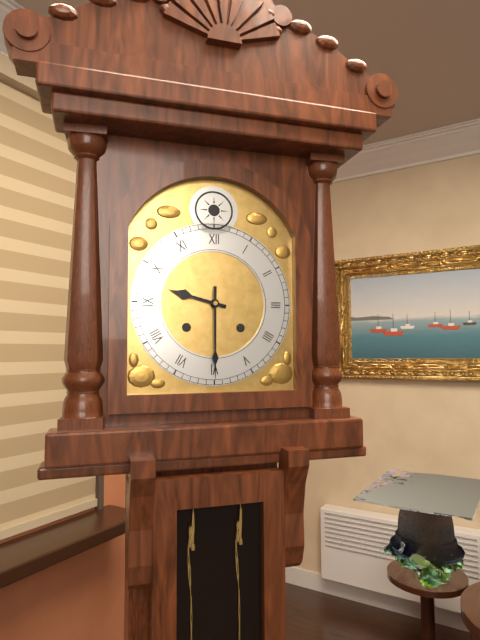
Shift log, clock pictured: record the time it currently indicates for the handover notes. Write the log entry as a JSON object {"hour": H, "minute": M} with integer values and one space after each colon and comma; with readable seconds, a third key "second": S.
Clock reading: {"hour": 9, "minute": 30}
